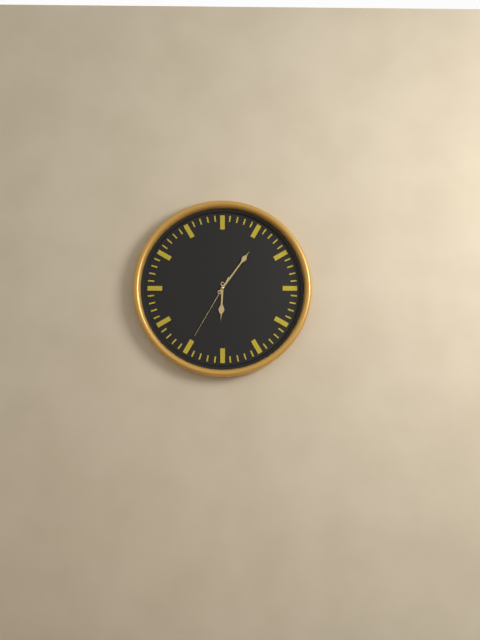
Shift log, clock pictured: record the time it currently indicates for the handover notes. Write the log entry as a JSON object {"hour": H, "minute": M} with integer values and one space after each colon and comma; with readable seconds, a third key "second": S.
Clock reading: {"hour": 6, "minute": 6, "second": 35}
